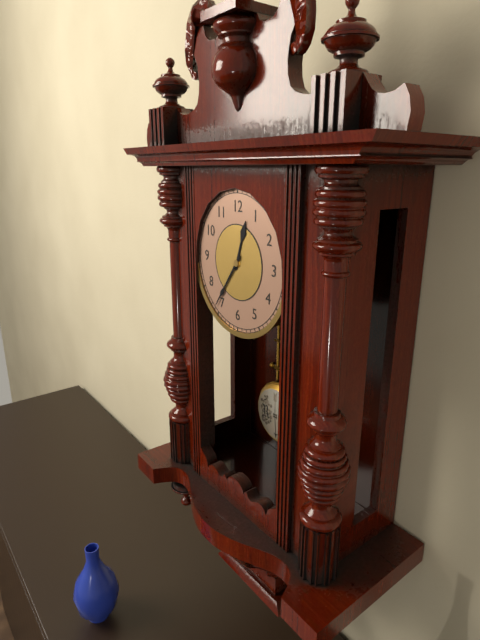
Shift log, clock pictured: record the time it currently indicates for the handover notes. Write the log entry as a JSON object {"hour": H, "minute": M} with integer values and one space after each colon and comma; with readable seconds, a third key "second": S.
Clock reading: {"hour": 12, "minute": 36}
